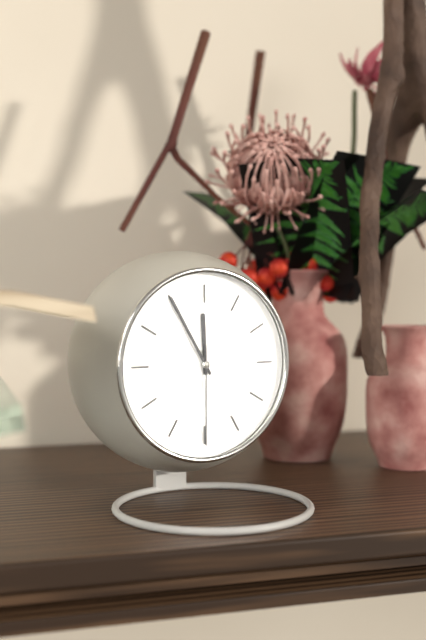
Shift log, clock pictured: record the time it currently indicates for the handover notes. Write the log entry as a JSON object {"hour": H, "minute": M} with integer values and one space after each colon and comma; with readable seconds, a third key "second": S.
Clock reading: {"hour": 11, "minute": 55, "second": 30}
